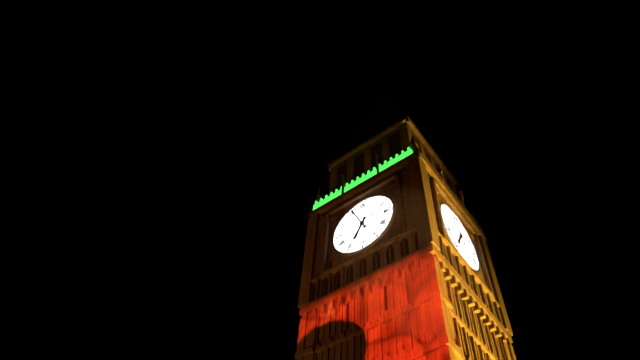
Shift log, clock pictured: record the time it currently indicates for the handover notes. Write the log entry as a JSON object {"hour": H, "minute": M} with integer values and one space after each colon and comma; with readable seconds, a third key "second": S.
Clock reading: {"hour": 6, "minute": 56}
